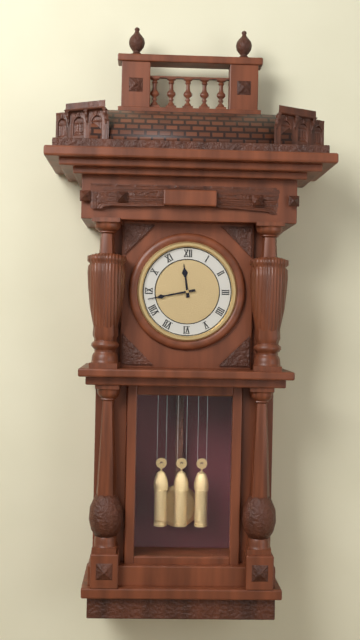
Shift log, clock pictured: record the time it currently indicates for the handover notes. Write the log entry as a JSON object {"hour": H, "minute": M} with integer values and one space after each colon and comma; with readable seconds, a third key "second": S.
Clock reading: {"hour": 11, "minute": 43}
